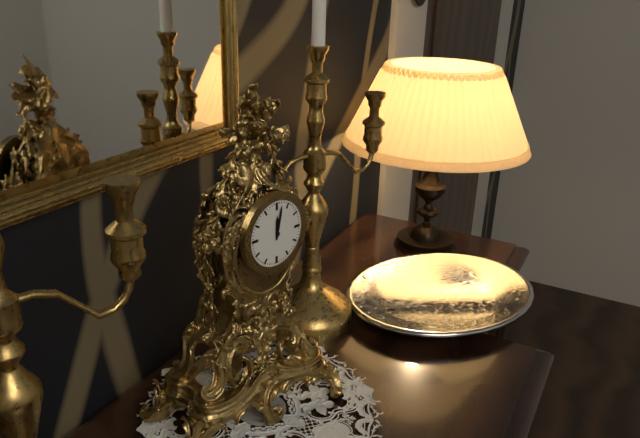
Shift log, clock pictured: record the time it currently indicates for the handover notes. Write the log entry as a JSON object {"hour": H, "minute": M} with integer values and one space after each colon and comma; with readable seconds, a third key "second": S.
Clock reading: {"hour": 12, "minute": 2}
